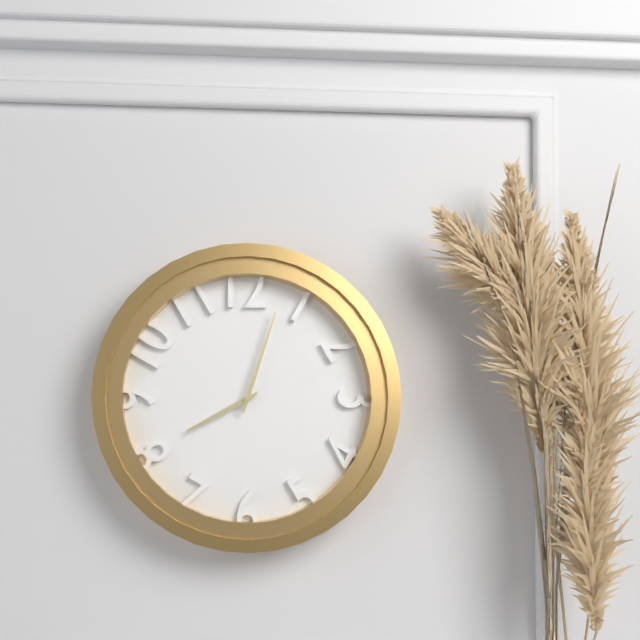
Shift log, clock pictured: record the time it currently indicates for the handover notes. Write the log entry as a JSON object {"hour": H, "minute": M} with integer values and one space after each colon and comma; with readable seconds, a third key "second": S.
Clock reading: {"hour": 8, "minute": 3}
